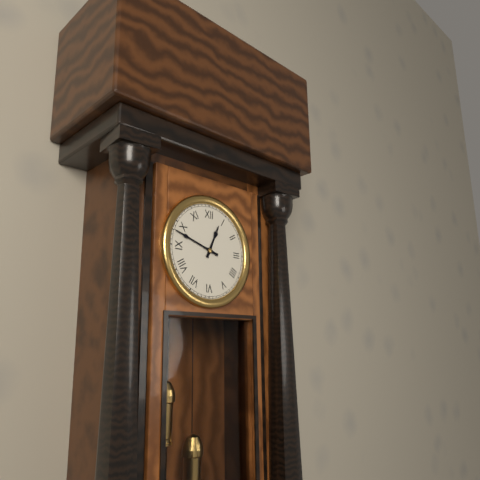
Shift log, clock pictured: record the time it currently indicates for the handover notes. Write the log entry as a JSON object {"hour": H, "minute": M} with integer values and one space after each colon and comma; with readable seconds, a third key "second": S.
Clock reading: {"hour": 12, "minute": 48}
